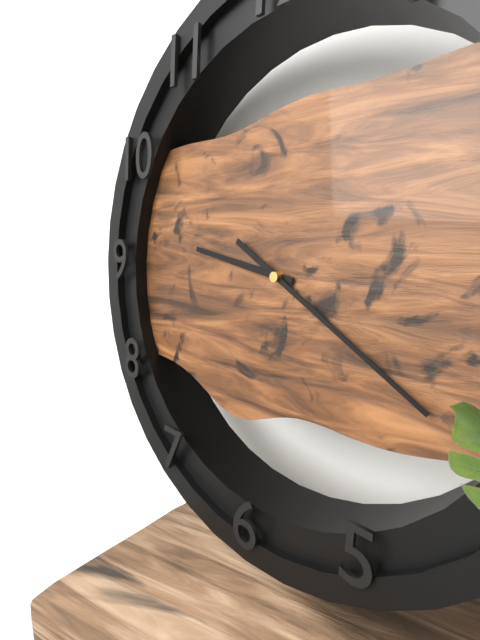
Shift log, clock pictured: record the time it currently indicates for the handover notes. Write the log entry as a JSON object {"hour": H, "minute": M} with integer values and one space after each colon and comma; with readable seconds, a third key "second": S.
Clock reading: {"hour": 9, "minute": 20}
